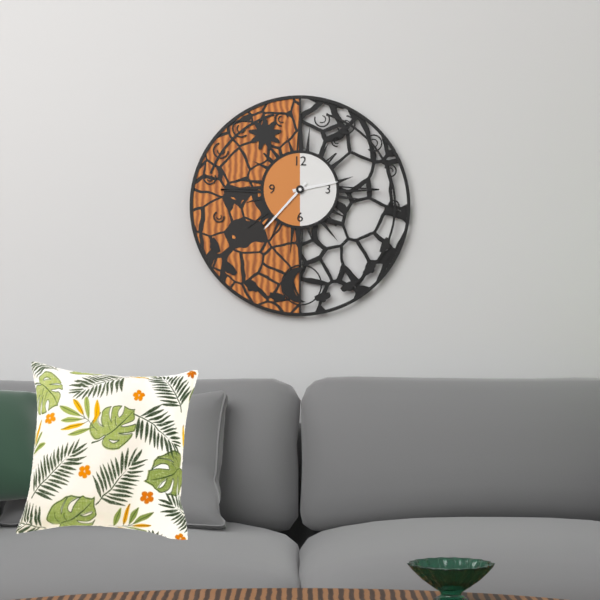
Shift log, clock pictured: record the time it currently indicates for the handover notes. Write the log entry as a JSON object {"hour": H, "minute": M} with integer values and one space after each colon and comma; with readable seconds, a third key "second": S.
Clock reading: {"hour": 2, "minute": 37}
